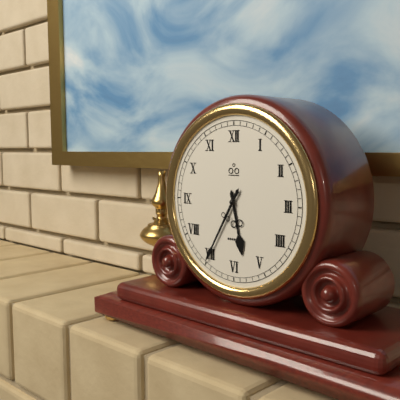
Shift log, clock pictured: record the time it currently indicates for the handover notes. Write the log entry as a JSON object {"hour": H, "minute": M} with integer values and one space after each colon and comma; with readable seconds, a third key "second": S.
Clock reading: {"hour": 5, "minute": 35}
